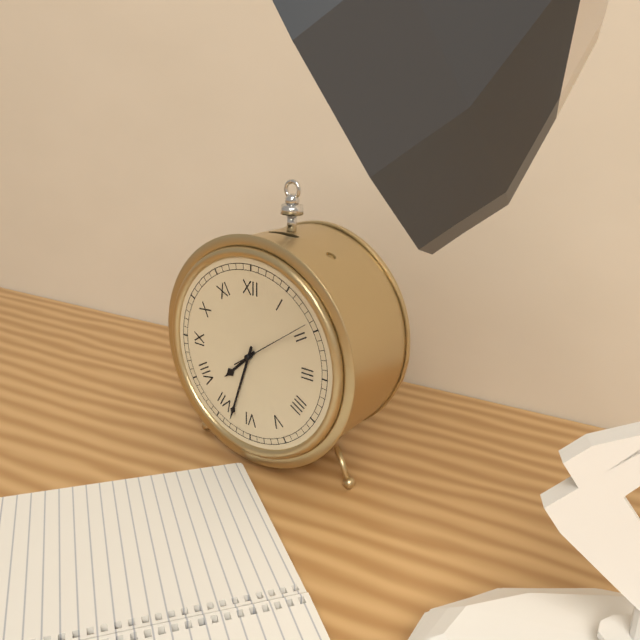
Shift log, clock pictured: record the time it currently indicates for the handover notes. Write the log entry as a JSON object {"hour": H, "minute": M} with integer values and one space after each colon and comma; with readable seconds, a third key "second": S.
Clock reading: {"hour": 7, "minute": 33, "second": 9}
